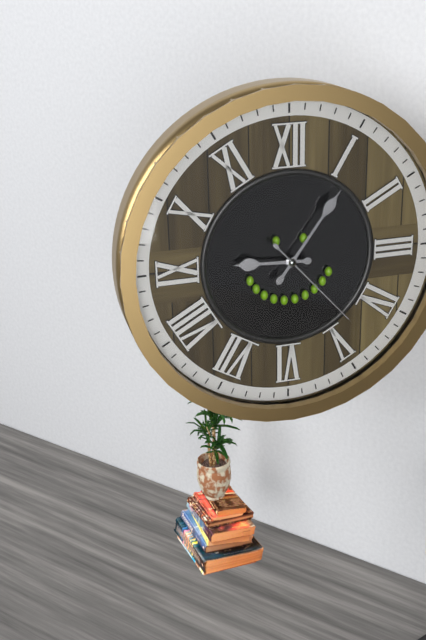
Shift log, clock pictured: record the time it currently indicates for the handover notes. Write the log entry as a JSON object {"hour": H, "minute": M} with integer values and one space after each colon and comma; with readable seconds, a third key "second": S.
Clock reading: {"hour": 9, "minute": 6, "second": 23}
